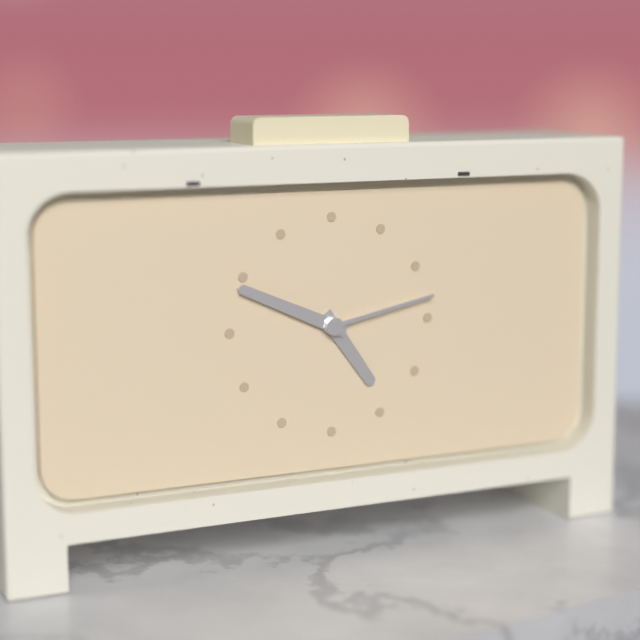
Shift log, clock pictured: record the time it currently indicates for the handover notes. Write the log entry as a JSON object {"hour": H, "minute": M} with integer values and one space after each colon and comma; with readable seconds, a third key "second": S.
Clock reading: {"hour": 4, "minute": 49, "second": 13}
